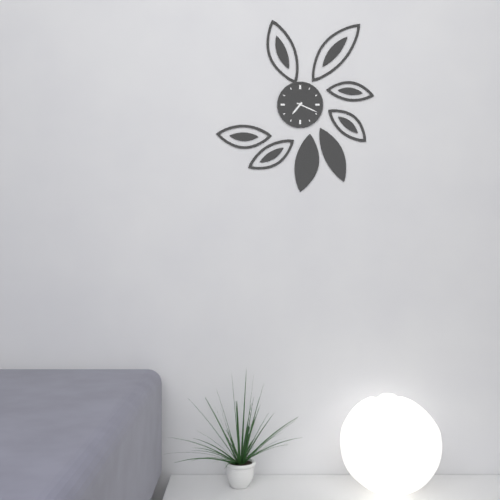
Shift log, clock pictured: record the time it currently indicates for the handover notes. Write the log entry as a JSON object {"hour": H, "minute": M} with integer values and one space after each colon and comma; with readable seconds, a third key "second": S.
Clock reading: {"hour": 7, "minute": 19}
